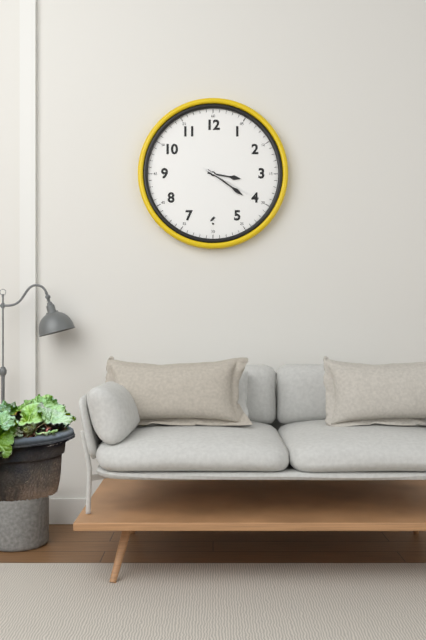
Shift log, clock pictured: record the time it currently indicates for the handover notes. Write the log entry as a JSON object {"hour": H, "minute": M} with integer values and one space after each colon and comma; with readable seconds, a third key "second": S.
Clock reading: {"hour": 3, "minute": 21, "second": 20}
